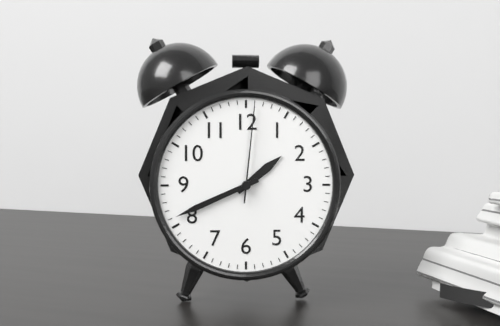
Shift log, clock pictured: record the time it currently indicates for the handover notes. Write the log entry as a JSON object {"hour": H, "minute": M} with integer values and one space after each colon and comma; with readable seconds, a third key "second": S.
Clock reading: {"hour": 1, "minute": 41, "second": 1}
